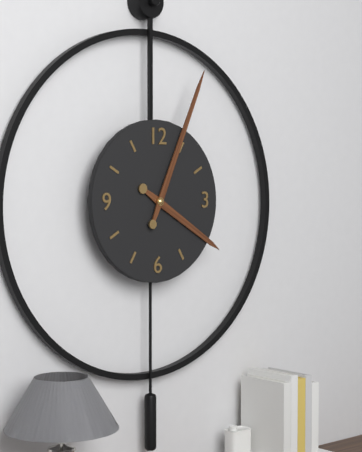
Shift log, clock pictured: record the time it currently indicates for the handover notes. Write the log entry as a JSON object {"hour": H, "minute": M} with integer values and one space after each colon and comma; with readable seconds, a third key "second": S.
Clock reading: {"hour": 4, "minute": 4}
